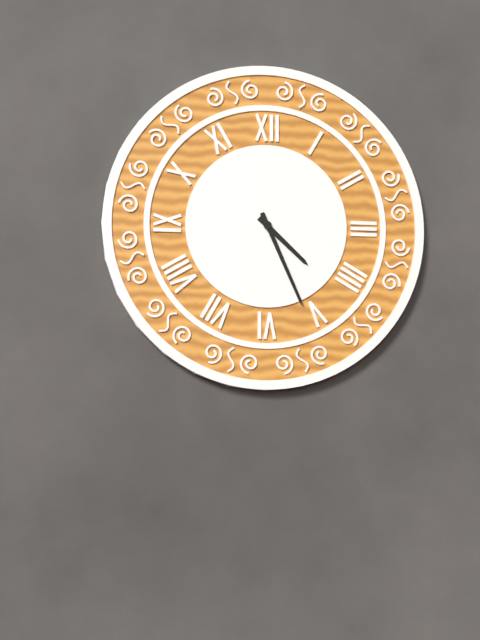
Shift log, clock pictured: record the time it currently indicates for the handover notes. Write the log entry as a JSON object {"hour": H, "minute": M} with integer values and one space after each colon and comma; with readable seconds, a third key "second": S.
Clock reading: {"hour": 4, "minute": 26}
